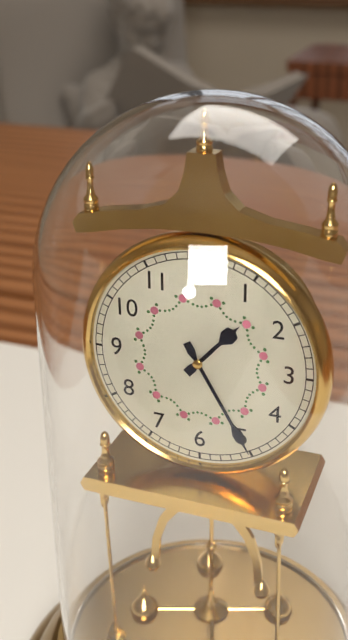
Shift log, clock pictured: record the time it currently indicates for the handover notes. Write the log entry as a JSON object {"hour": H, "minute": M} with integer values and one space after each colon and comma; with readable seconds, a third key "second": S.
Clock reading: {"hour": 1, "minute": 25}
